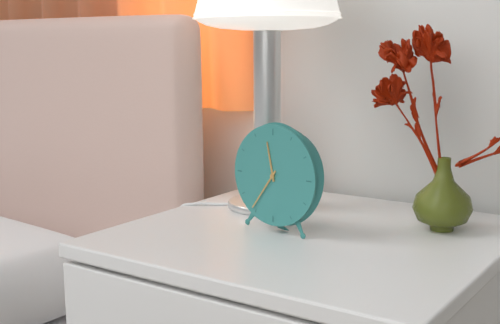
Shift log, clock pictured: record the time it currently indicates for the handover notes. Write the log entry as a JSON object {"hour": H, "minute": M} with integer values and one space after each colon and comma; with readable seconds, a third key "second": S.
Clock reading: {"hour": 11, "minute": 36}
